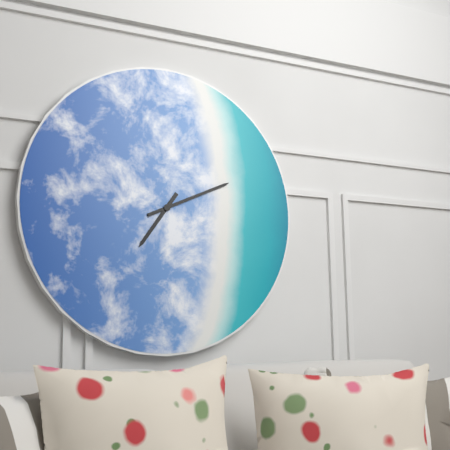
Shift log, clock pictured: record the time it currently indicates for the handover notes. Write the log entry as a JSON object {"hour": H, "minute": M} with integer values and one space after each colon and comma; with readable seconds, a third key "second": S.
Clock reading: {"hour": 7, "minute": 11}
